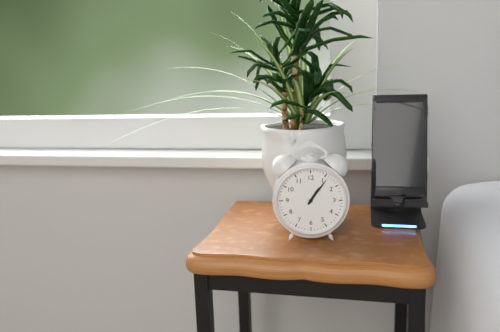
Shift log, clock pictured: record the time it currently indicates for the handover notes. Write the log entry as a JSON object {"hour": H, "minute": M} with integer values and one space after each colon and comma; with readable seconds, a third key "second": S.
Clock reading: {"hour": 1, "minute": 6}
